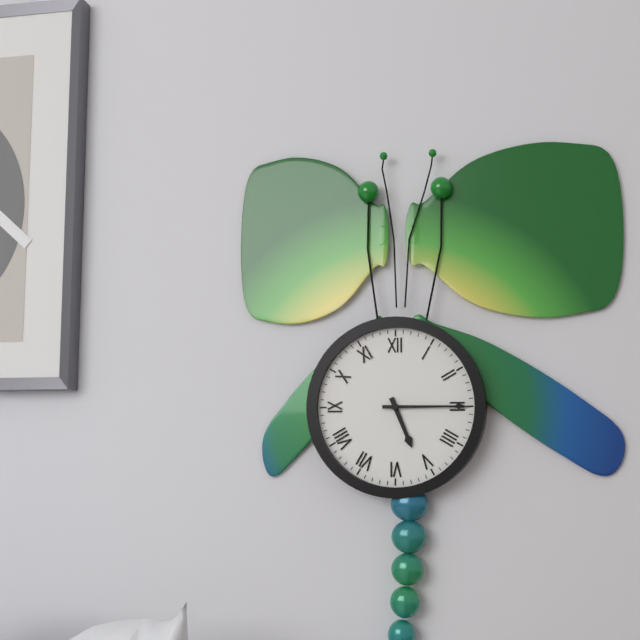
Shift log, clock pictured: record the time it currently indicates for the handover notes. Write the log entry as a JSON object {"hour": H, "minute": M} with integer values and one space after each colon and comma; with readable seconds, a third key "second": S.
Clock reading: {"hour": 5, "minute": 15}
